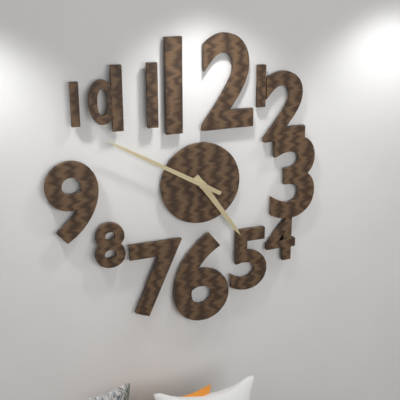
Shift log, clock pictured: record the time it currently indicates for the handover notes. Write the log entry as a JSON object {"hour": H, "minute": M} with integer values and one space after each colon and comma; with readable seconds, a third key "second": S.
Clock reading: {"hour": 4, "minute": 50}
